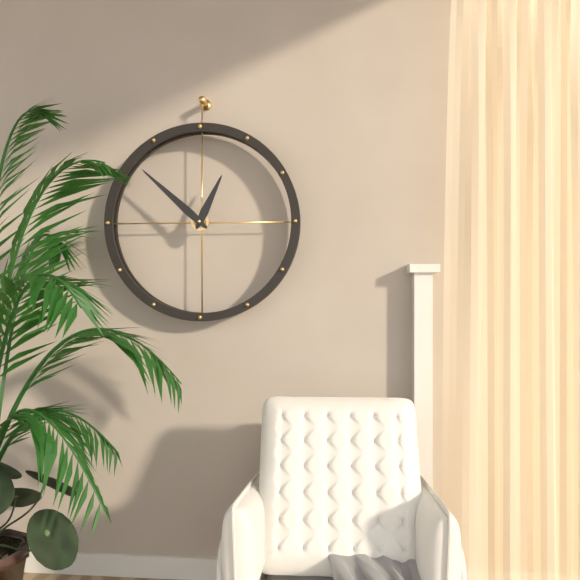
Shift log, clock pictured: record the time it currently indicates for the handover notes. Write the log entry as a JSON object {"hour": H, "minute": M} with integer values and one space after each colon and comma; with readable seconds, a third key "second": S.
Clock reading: {"hour": 12, "minute": 52}
